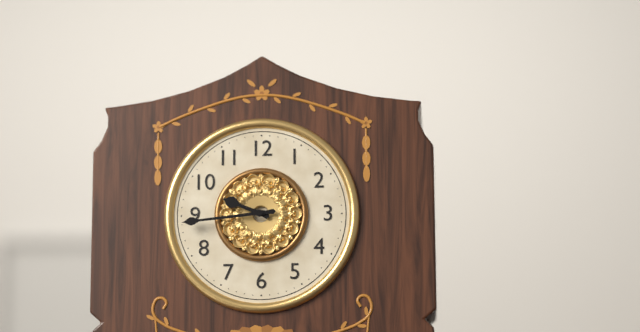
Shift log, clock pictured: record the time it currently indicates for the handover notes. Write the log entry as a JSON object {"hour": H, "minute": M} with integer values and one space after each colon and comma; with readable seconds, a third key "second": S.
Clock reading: {"hour": 9, "minute": 44}
